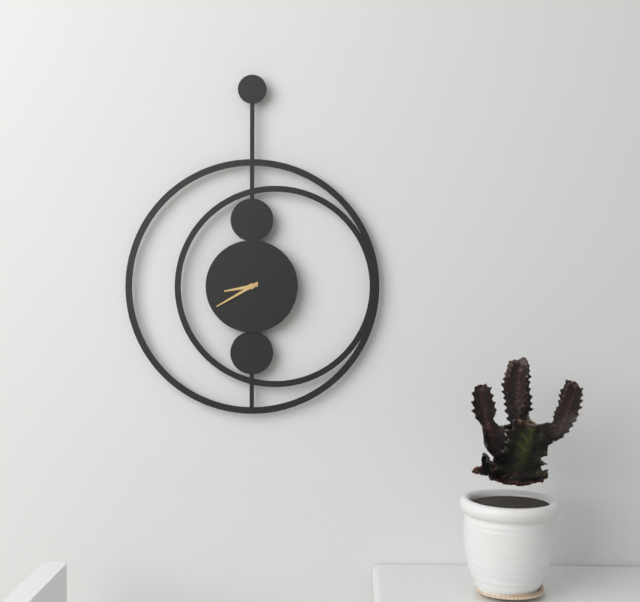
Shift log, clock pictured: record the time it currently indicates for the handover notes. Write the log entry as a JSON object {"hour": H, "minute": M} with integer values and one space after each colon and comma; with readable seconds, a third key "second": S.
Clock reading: {"hour": 8, "minute": 40}
